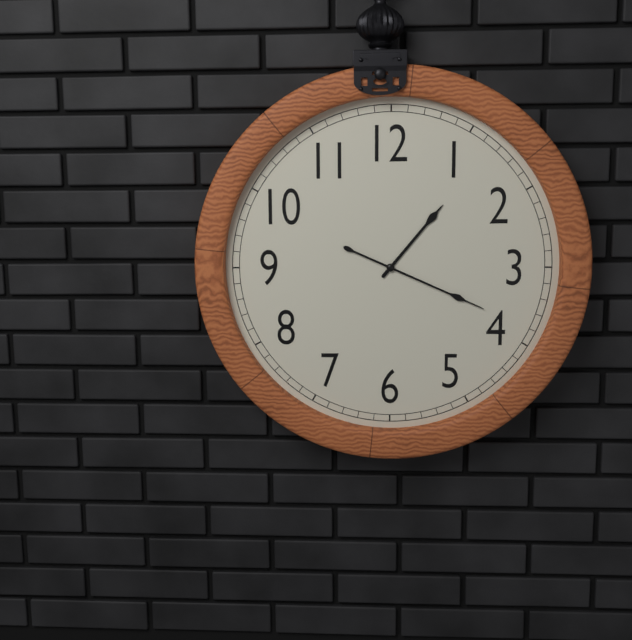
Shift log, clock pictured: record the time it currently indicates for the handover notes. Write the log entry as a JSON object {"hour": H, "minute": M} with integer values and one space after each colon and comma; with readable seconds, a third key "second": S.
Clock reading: {"hour": 1, "minute": 19}
